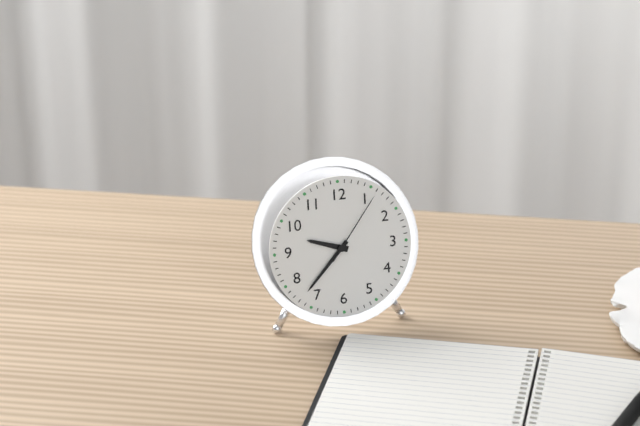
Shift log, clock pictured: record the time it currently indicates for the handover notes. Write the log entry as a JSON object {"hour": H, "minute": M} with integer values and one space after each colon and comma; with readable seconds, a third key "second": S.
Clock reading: {"hour": 9, "minute": 37, "second": 6}
